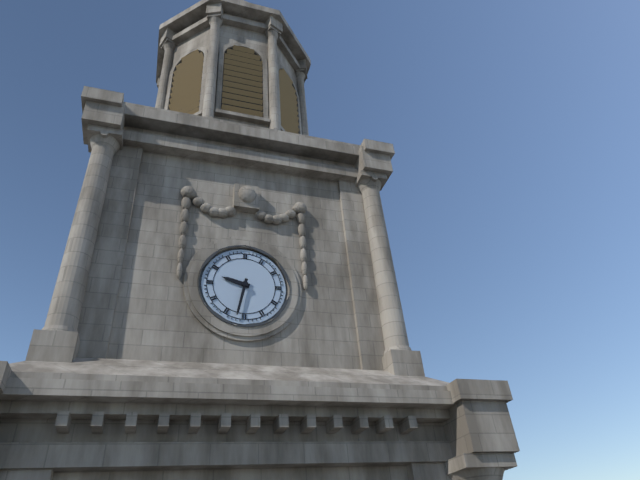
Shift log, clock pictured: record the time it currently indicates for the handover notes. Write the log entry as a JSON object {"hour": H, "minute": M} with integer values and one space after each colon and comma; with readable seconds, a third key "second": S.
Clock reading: {"hour": 9, "minute": 32}
